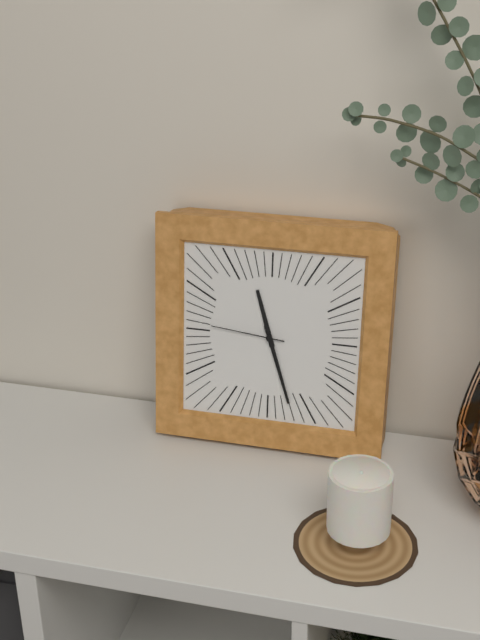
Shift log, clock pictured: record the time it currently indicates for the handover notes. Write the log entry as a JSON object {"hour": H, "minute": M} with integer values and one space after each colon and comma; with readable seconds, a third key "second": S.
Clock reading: {"hour": 11, "minute": 27, "second": 46}
